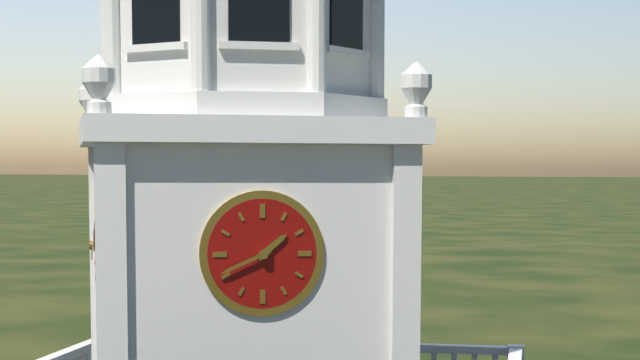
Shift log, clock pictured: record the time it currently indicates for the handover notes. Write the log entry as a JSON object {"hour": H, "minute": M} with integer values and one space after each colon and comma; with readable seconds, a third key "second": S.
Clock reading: {"hour": 1, "minute": 41}
